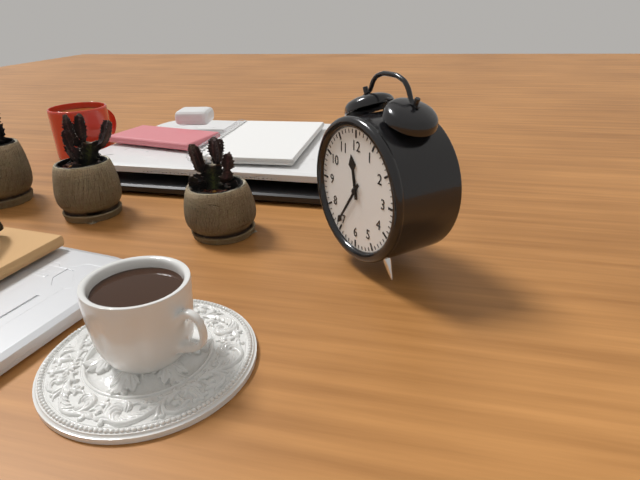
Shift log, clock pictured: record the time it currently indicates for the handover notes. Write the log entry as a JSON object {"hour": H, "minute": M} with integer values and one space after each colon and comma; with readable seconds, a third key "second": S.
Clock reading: {"hour": 11, "minute": 36}
